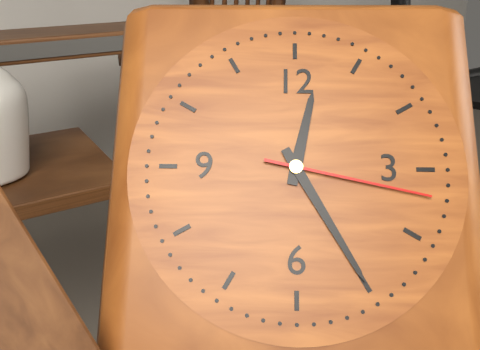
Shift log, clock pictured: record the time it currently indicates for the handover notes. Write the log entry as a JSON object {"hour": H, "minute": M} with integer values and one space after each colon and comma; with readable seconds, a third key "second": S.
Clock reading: {"hour": 12, "minute": 25, "second": 17}
